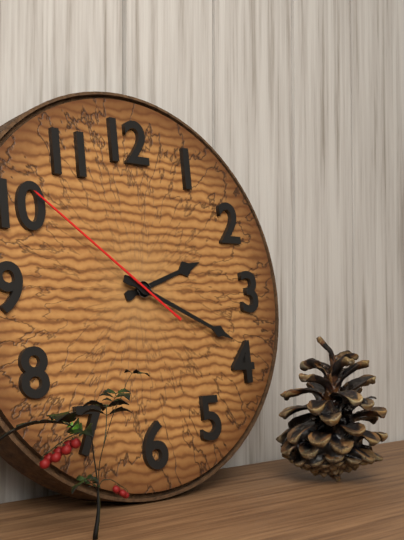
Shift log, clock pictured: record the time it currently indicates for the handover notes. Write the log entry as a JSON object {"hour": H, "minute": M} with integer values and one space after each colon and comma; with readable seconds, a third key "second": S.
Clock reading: {"hour": 2, "minute": 19, "second": 51}
